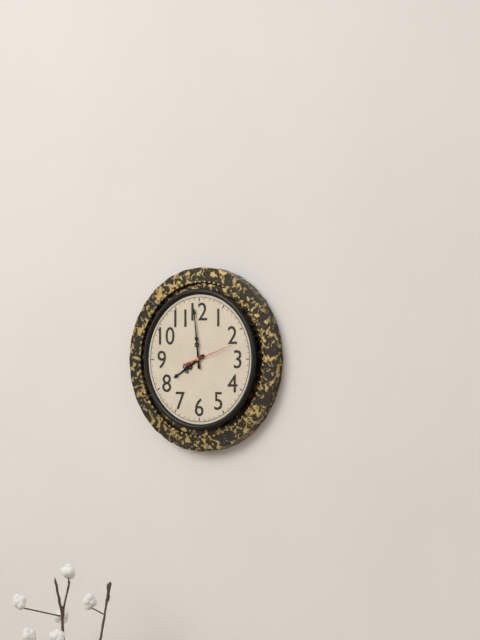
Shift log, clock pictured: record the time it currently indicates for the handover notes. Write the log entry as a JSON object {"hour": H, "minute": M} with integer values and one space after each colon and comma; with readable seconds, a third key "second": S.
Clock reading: {"hour": 7, "minute": 59}
